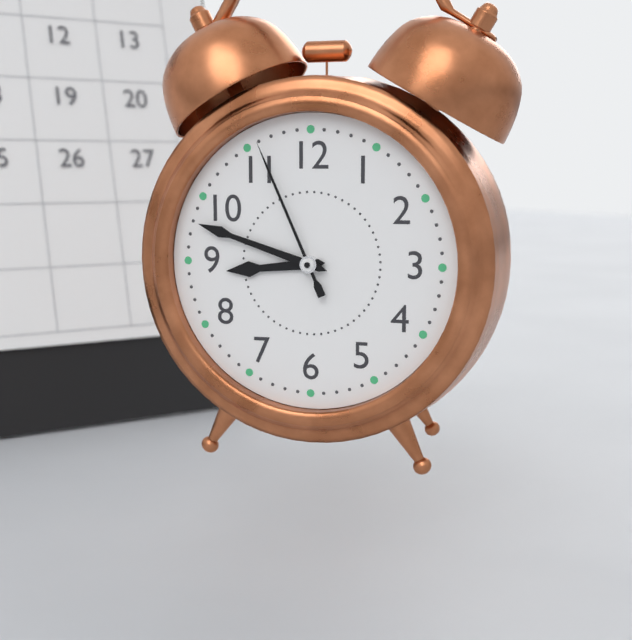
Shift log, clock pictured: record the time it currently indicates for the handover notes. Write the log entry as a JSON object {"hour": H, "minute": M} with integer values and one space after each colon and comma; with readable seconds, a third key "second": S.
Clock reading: {"hour": 8, "minute": 48, "second": 56}
